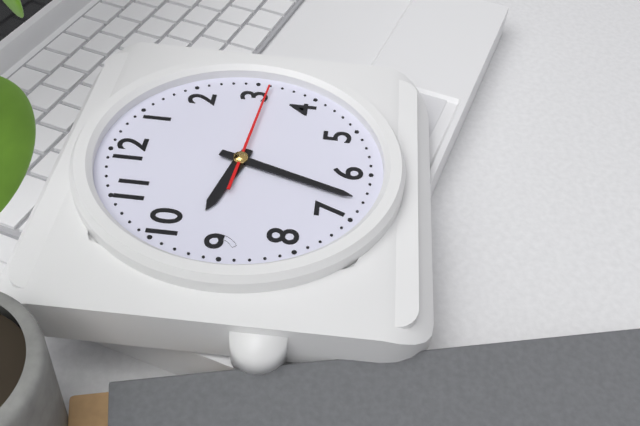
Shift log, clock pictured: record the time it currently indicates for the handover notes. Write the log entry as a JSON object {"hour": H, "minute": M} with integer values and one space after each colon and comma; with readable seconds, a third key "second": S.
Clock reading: {"hour": 9, "minute": 33, "second": 16}
